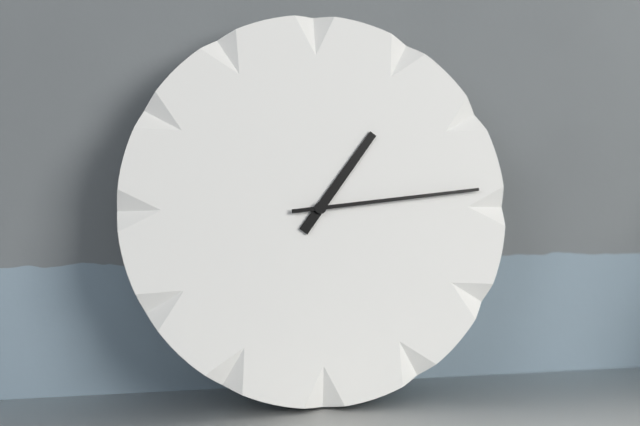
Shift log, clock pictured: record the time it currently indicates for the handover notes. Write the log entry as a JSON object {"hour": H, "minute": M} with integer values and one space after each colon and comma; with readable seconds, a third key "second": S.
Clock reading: {"hour": 1, "minute": 14}
